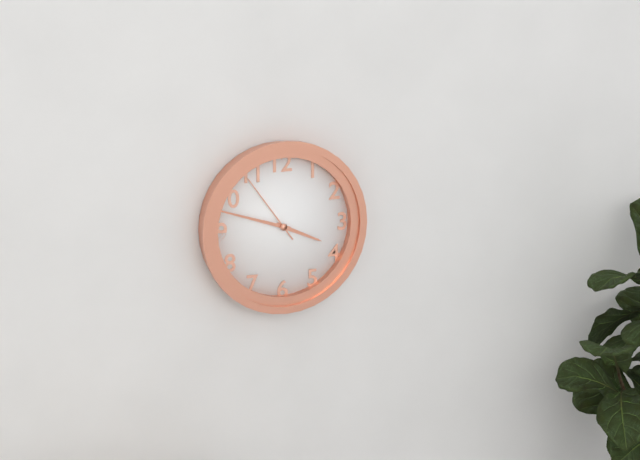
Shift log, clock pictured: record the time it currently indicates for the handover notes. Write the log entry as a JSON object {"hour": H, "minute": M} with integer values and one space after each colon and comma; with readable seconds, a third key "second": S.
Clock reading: {"hour": 3, "minute": 48, "second": 54}
